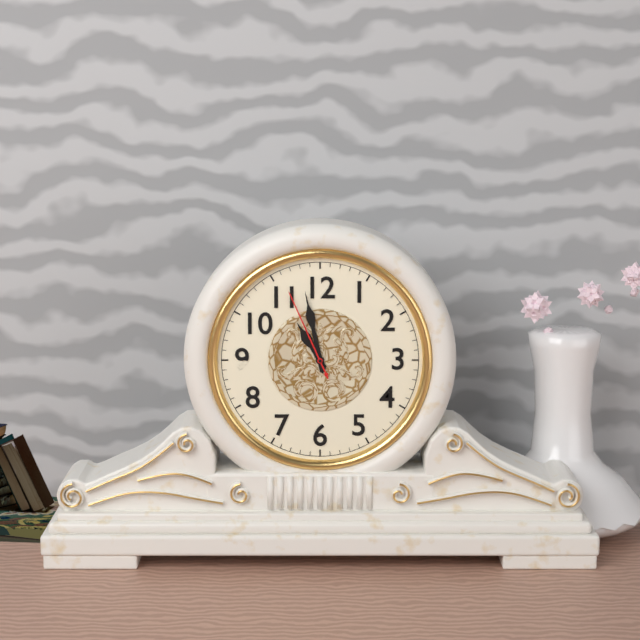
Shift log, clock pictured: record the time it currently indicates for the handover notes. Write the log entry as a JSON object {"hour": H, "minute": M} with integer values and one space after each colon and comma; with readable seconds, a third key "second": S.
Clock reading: {"hour": 10, "minute": 58, "second": 56}
